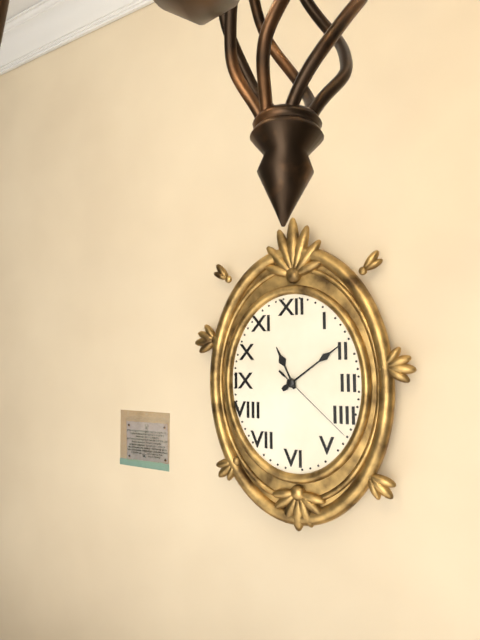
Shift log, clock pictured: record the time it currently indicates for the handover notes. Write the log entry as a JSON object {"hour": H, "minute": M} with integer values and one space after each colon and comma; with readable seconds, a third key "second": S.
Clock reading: {"hour": 11, "minute": 9, "second": 22}
